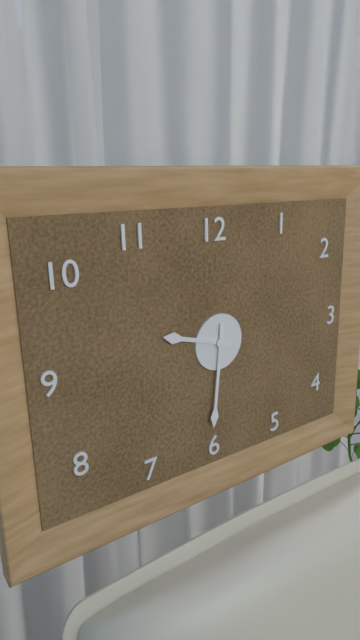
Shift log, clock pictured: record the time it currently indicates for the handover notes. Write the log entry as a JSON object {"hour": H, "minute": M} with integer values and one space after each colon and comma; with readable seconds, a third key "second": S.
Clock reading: {"hour": 9, "minute": 31}
